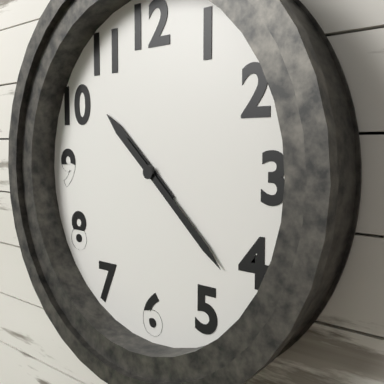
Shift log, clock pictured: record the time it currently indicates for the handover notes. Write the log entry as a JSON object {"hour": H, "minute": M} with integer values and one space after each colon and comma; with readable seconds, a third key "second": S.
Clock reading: {"hour": 10, "minute": 22}
